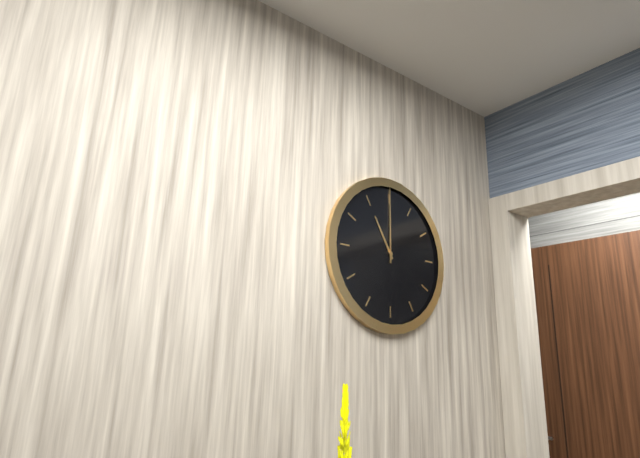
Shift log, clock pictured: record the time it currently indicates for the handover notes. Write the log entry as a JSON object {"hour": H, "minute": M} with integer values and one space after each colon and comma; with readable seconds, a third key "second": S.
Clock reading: {"hour": 11, "minute": 0}
